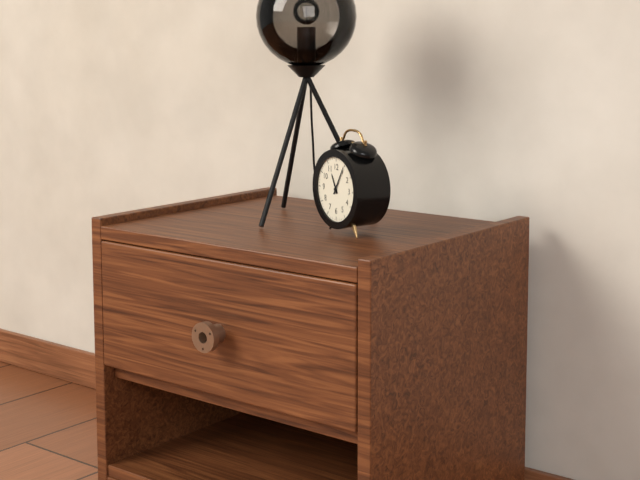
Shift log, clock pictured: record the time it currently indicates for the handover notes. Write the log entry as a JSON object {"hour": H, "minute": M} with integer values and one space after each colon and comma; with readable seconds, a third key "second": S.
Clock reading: {"hour": 11, "minute": 5}
